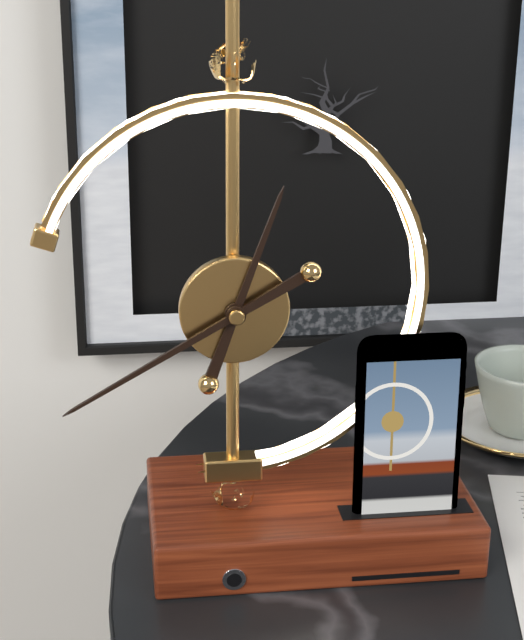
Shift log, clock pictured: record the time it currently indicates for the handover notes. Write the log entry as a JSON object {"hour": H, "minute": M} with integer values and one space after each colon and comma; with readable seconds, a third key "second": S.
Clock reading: {"hour": 12, "minute": 40}
